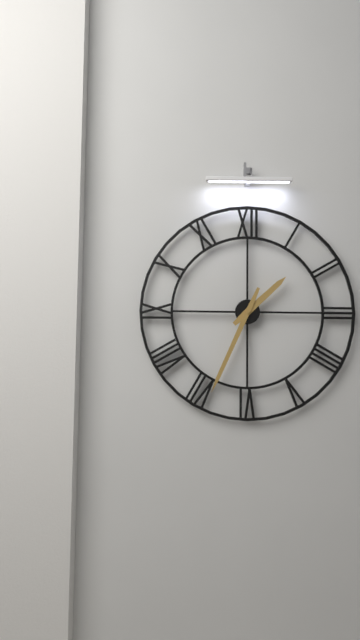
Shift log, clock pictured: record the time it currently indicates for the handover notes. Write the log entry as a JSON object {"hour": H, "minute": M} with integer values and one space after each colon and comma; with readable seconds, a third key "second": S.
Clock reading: {"hour": 1, "minute": 34}
